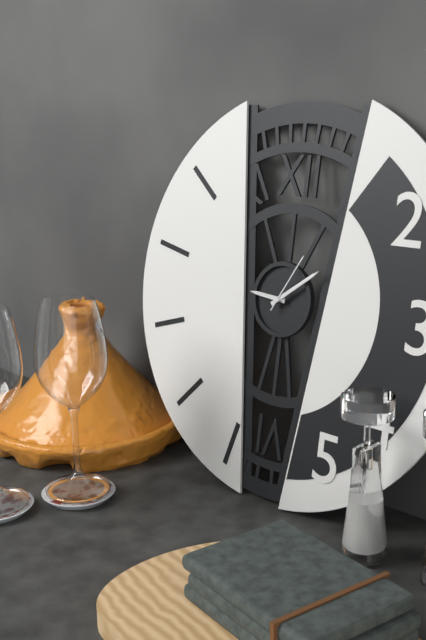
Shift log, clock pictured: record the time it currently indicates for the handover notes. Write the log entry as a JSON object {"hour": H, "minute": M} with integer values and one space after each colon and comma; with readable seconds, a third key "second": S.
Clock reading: {"hour": 9, "minute": 9, "second": 5}
